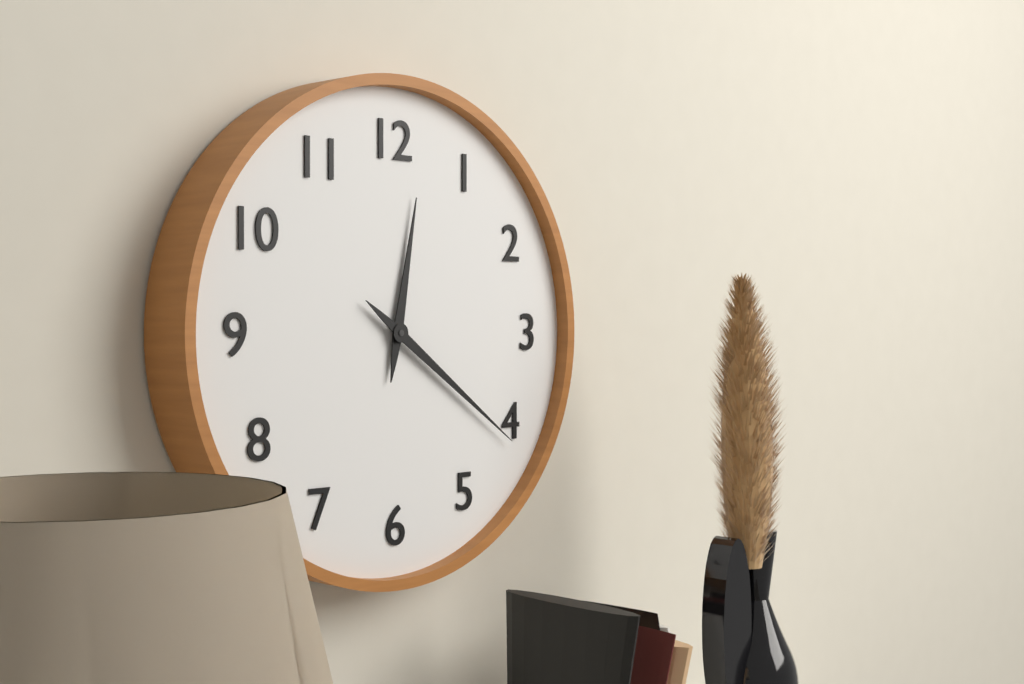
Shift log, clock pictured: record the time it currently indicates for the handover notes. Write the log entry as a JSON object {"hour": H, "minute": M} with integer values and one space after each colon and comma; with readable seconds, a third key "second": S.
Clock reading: {"hour": 12, "minute": 21}
